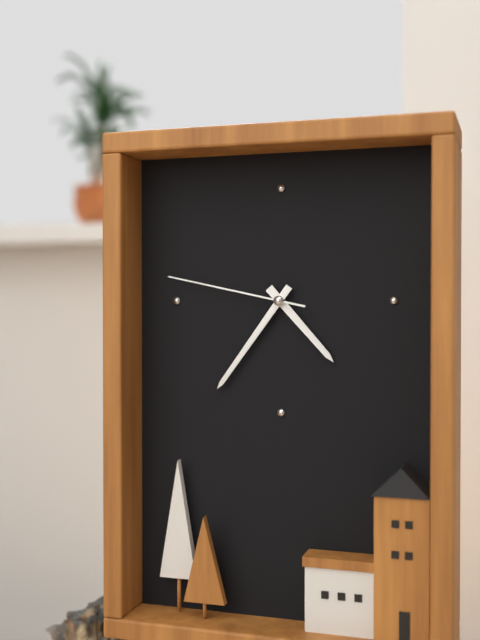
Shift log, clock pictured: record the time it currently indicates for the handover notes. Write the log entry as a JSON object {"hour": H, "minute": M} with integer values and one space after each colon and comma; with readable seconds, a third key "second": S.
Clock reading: {"hour": 4, "minute": 36, "second": 47}
